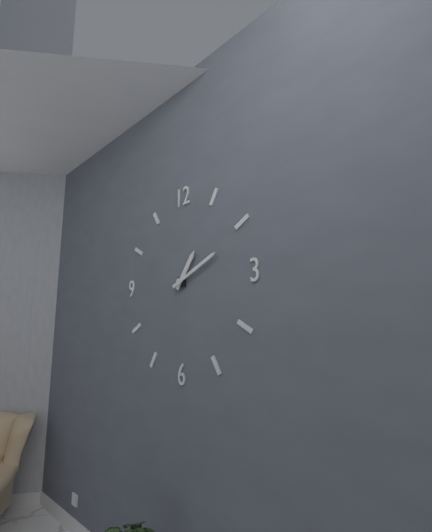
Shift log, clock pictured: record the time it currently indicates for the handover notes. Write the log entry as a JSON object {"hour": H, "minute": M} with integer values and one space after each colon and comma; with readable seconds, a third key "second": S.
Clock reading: {"hour": 1, "minute": 11}
